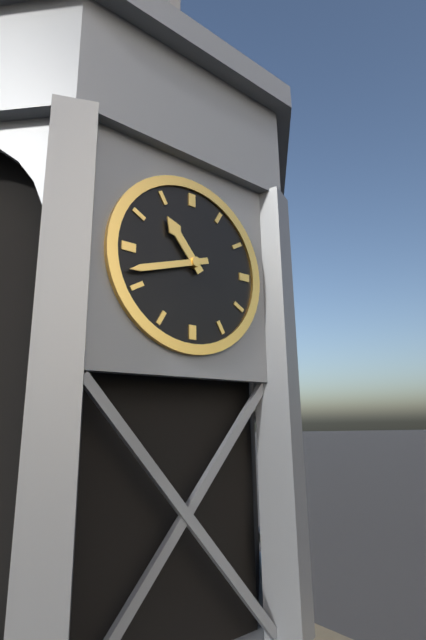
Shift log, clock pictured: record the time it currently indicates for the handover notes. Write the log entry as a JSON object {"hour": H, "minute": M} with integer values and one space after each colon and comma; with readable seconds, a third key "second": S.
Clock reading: {"hour": 10, "minute": 42}
